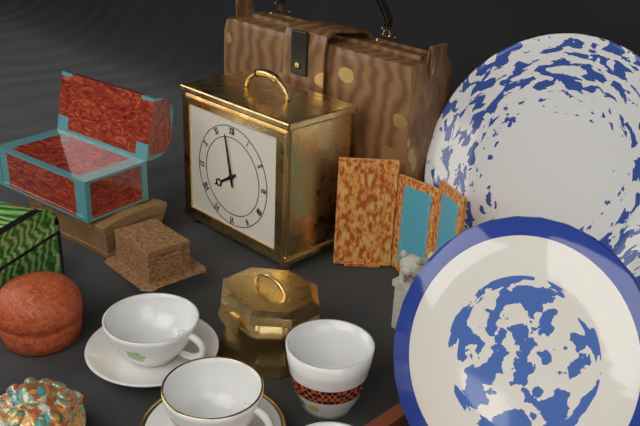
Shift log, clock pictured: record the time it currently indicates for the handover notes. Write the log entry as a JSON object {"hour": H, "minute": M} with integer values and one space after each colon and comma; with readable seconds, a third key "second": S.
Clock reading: {"hour": 7, "minute": 58}
